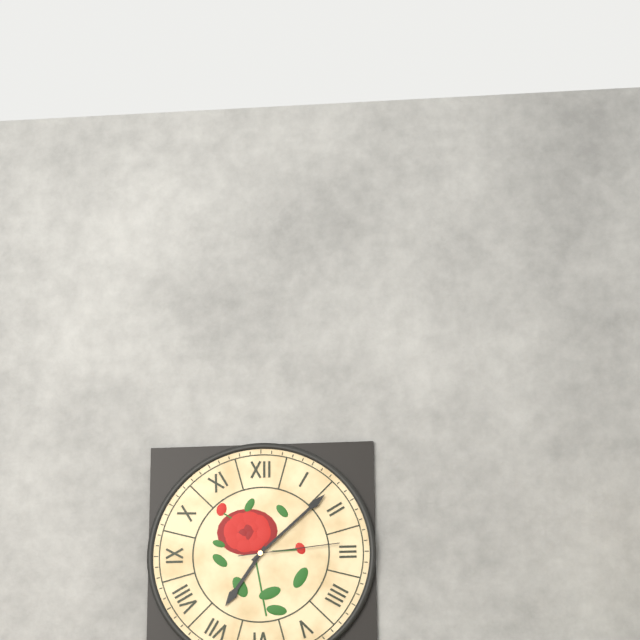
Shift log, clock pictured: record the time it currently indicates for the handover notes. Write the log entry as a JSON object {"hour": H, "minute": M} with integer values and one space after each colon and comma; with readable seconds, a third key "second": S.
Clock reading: {"hour": 7, "minute": 8, "second": 14}
